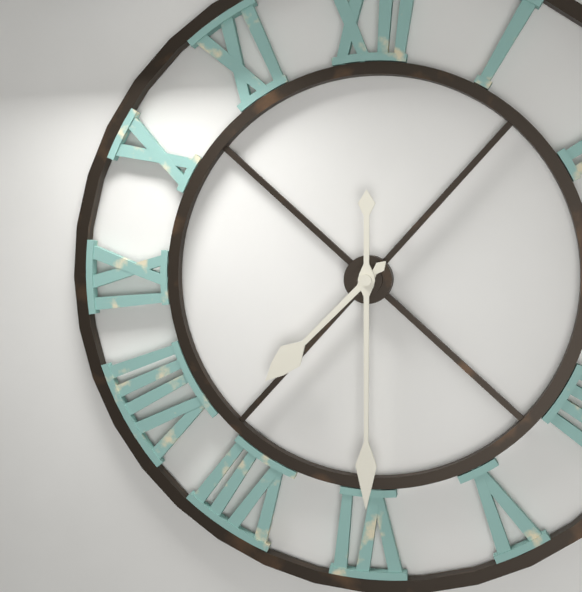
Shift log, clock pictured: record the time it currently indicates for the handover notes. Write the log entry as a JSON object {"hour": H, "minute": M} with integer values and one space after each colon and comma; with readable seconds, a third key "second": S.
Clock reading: {"hour": 7, "minute": 30}
